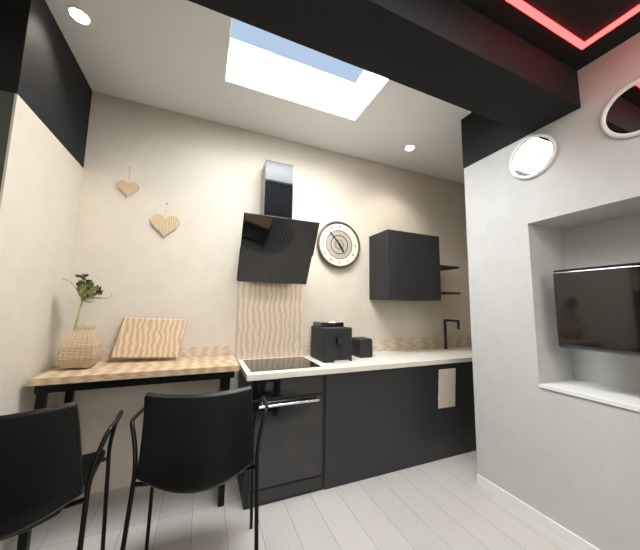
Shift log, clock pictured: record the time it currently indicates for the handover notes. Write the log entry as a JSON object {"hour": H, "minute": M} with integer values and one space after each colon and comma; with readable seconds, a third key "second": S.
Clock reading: {"hour": 4, "minute": 53}
